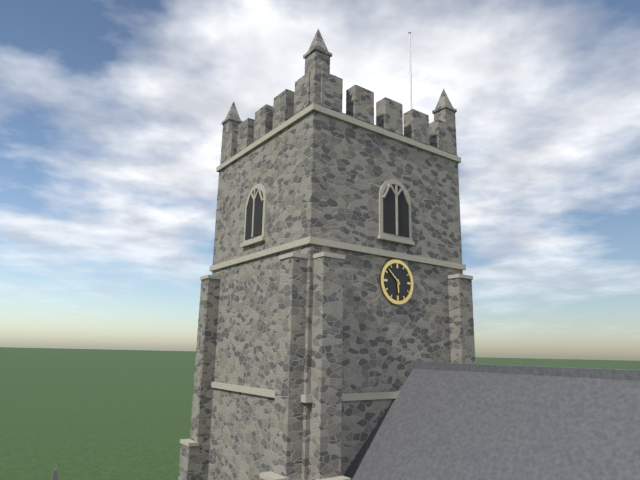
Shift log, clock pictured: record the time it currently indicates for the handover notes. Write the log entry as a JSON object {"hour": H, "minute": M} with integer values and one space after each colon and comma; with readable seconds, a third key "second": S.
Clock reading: {"hour": 5, "minute": 52}
